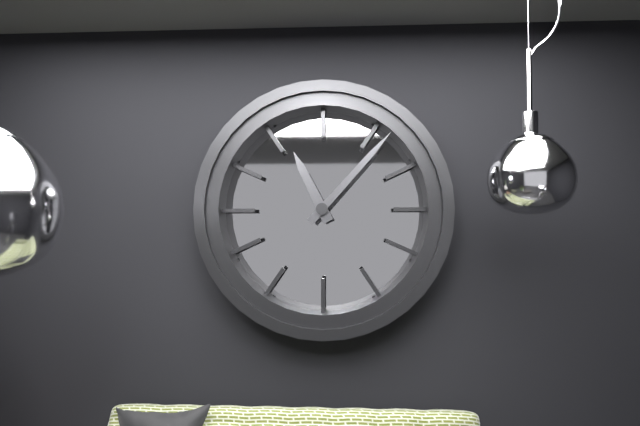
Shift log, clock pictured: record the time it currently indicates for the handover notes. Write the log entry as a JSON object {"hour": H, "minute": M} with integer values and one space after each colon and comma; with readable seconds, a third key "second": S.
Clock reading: {"hour": 11, "minute": 7}
